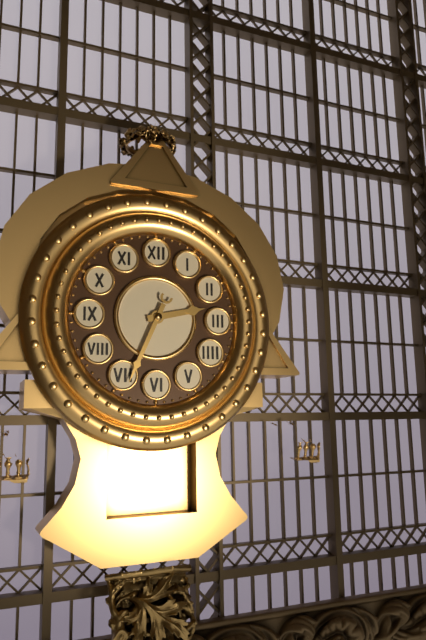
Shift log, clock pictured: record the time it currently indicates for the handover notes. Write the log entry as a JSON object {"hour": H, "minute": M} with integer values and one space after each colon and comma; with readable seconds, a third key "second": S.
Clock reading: {"hour": 2, "minute": 34}
